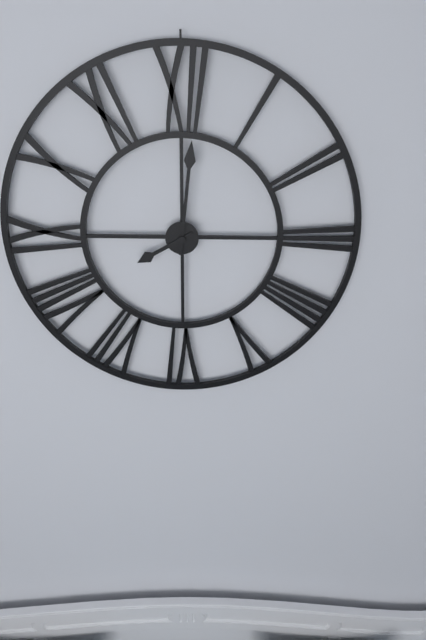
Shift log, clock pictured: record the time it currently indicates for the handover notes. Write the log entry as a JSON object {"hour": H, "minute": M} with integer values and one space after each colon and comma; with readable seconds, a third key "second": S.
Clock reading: {"hour": 8, "minute": 1}
